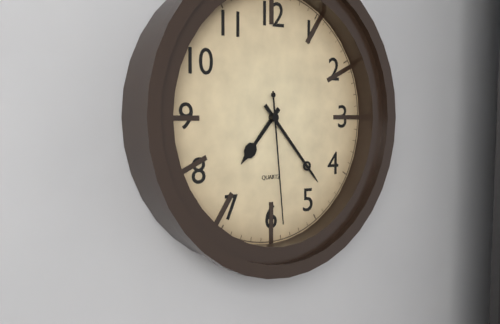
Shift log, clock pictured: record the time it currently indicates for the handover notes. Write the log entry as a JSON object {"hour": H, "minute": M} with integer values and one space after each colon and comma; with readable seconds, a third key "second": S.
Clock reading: {"hour": 7, "minute": 23, "second": 29}
